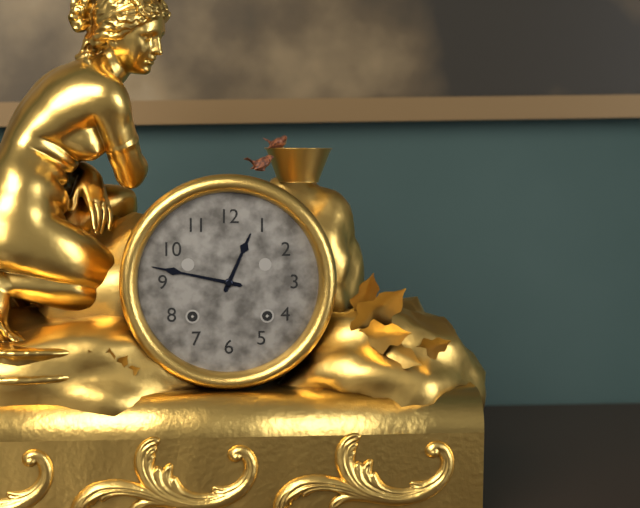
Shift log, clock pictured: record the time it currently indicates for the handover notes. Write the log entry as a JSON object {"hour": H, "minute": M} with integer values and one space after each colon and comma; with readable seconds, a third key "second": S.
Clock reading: {"hour": 12, "minute": 47}
